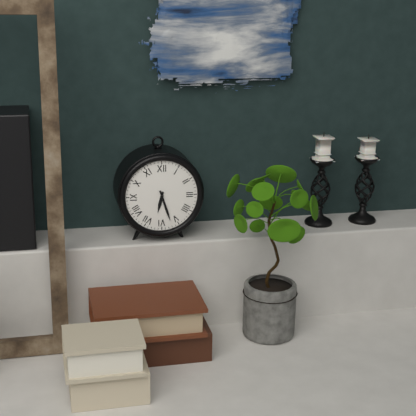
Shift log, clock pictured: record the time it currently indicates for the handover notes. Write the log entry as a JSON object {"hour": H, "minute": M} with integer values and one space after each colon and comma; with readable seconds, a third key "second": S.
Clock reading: {"hour": 6, "minute": 27}
